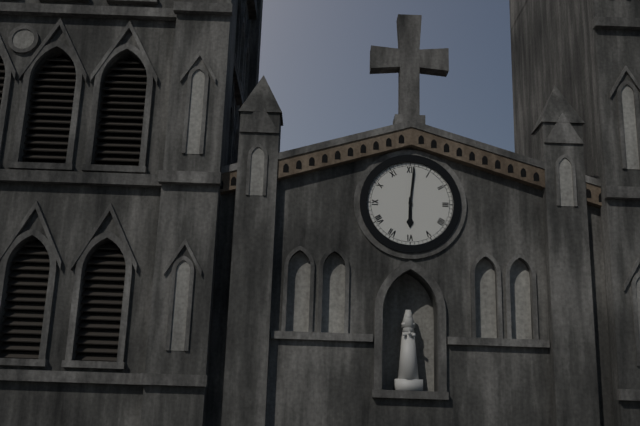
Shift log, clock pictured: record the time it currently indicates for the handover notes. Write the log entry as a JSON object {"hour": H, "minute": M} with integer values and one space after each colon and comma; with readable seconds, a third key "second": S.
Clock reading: {"hour": 6, "minute": 1}
